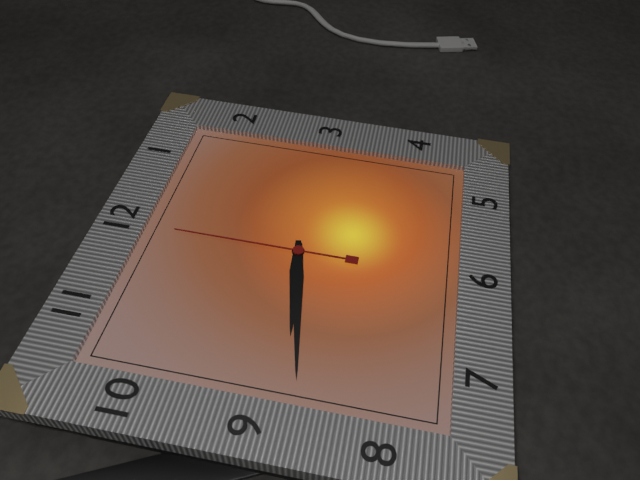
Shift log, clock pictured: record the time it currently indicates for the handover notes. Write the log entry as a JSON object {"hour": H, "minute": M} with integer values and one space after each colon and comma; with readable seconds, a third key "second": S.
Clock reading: {"hour": 8, "minute": 43, "second": 0}
